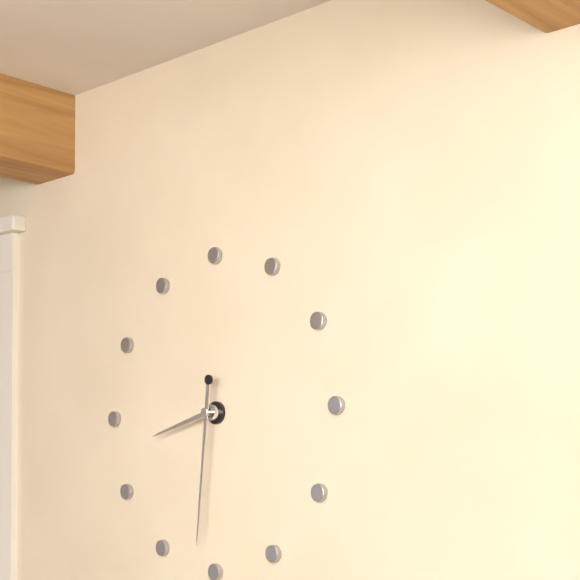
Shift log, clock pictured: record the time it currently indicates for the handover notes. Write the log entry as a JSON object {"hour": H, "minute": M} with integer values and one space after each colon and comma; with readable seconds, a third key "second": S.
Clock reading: {"hour": 8, "minute": 31}
